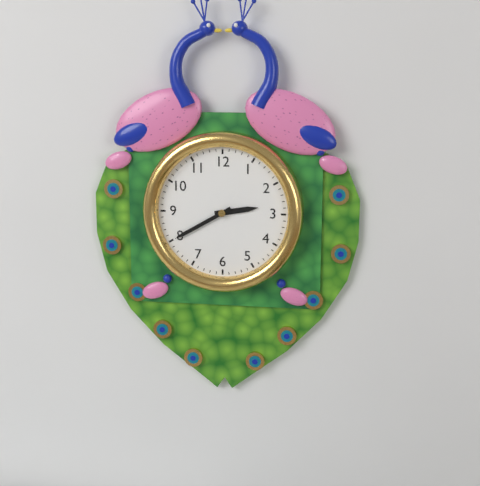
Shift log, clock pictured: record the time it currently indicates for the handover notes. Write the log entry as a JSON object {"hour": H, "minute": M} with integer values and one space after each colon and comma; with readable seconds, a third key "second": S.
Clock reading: {"hour": 2, "minute": 40}
